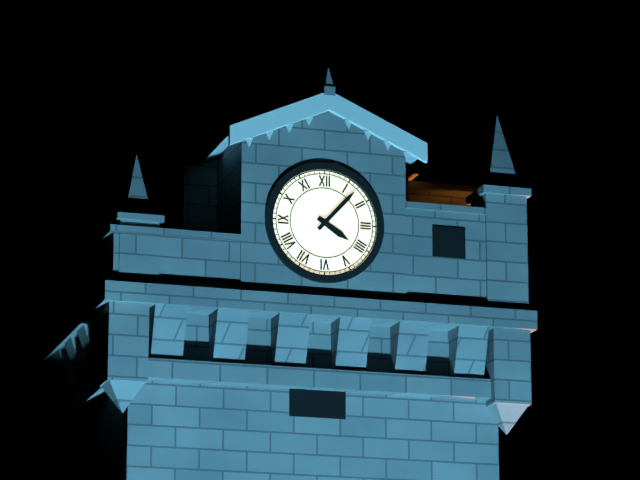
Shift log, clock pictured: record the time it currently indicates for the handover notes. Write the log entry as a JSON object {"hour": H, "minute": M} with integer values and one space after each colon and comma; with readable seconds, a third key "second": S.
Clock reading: {"hour": 4, "minute": 7}
